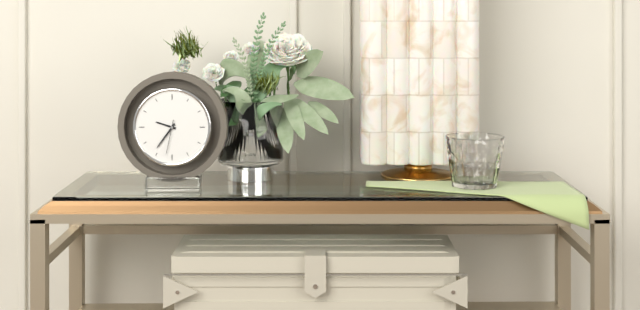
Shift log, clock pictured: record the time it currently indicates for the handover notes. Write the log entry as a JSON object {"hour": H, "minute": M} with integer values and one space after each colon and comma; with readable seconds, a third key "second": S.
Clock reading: {"hour": 9, "minute": 36}
